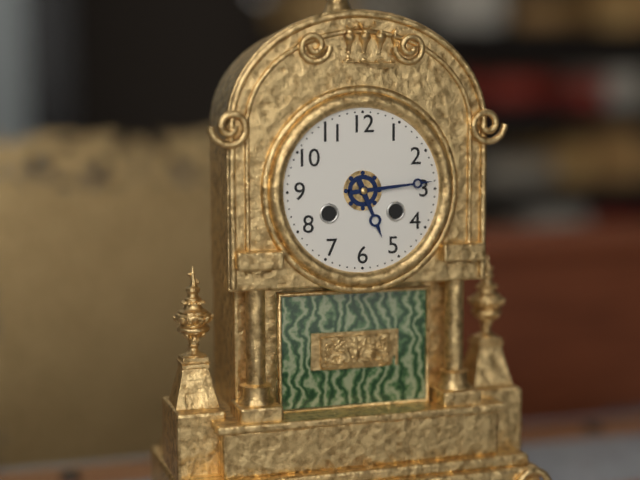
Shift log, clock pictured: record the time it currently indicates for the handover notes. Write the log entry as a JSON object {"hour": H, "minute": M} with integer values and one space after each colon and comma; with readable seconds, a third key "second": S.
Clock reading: {"hour": 5, "minute": 14}
